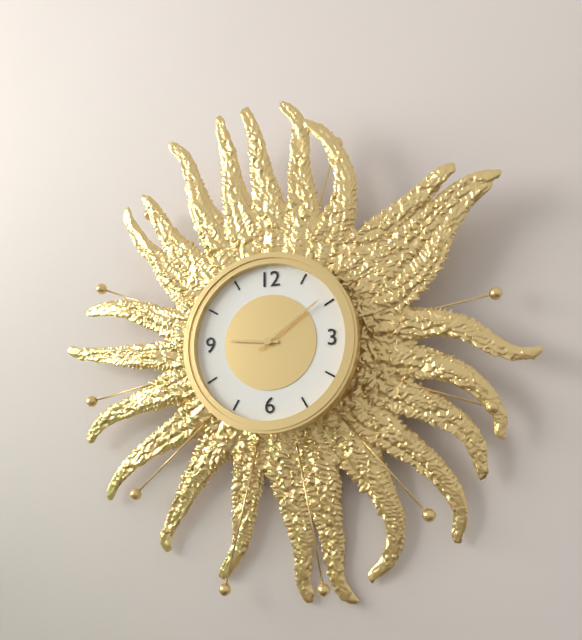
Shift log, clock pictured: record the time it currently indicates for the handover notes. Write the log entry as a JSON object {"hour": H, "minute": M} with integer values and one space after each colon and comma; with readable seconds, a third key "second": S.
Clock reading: {"hour": 9, "minute": 9}
